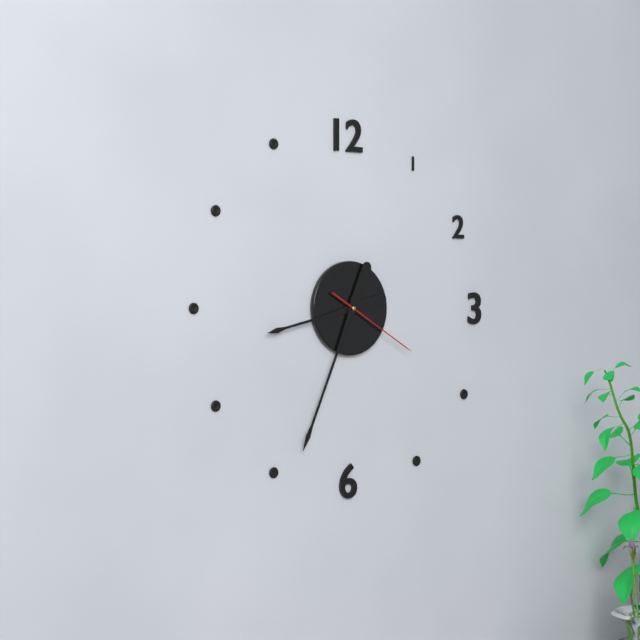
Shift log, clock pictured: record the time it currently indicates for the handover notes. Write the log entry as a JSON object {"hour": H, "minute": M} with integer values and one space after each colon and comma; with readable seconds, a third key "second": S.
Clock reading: {"hour": 8, "minute": 34, "second": 20}
